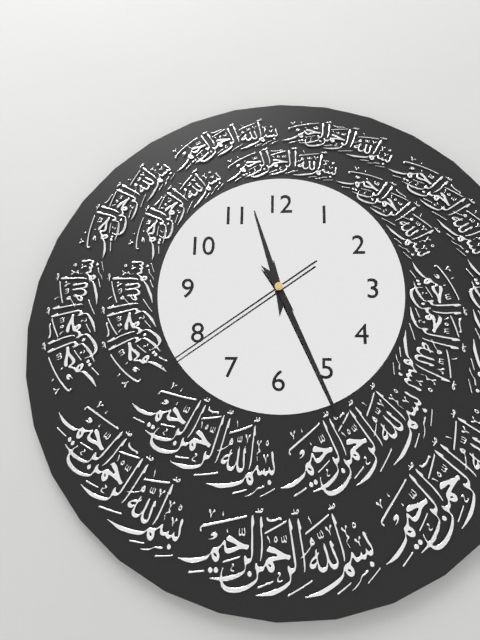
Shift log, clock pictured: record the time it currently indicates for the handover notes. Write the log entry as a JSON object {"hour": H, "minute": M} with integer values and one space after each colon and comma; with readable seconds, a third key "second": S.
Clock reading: {"hour": 11, "minute": 26, "second": 39}
